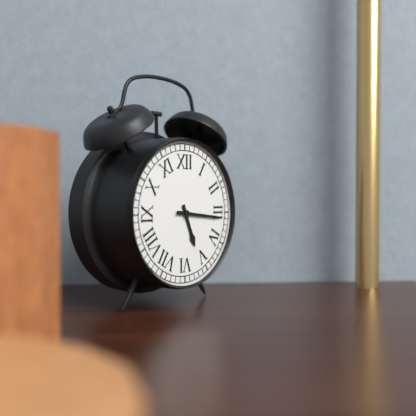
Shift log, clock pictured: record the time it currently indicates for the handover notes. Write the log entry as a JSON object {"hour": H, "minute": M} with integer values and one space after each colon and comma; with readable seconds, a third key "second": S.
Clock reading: {"hour": 5, "minute": 16}
